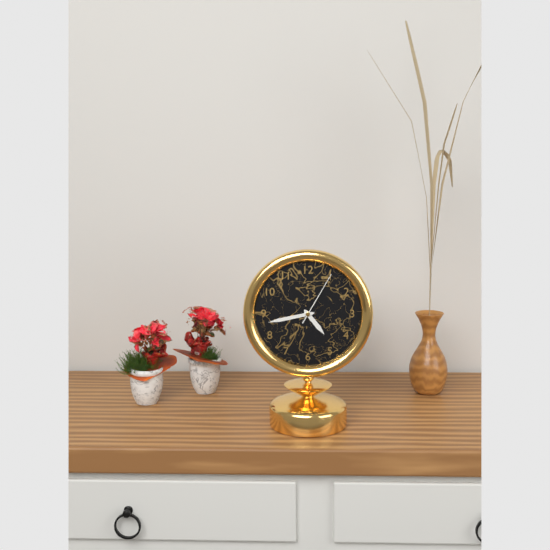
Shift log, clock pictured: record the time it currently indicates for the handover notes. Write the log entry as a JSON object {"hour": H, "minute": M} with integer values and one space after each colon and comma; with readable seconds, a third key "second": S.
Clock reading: {"hour": 4, "minute": 43, "second": 5}
